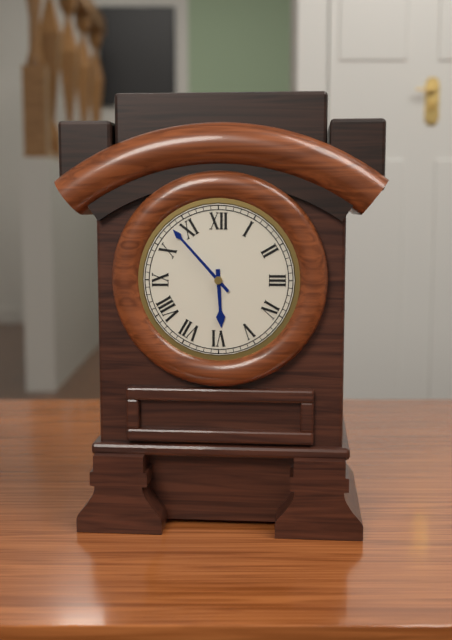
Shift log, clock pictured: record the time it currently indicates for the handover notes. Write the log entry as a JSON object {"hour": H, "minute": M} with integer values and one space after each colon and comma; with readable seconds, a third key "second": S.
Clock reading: {"hour": 5, "minute": 53}
